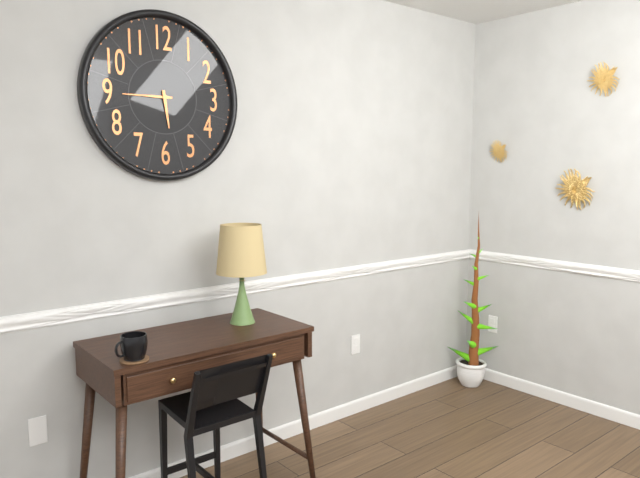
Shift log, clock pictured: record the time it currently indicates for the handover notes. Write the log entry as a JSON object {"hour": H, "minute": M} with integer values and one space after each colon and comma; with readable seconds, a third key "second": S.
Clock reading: {"hour": 5, "minute": 45}
